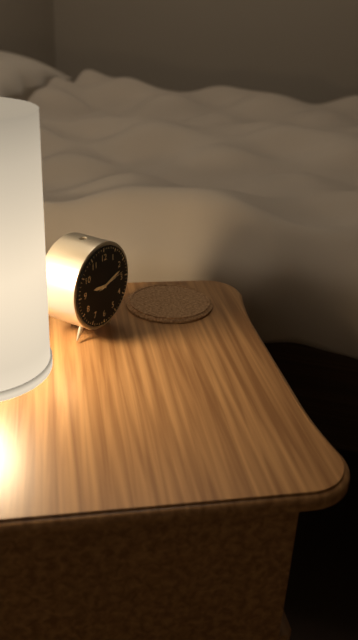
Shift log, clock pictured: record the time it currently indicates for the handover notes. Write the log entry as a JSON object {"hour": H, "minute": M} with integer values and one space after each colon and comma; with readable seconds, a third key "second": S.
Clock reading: {"hour": 9, "minute": 12}
